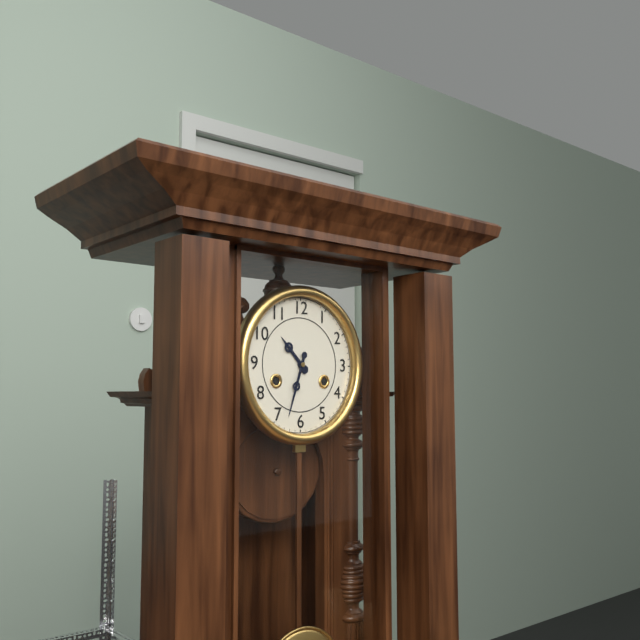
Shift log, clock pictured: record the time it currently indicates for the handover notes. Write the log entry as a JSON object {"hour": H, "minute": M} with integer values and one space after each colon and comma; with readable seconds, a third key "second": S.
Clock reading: {"hour": 10, "minute": 33}
